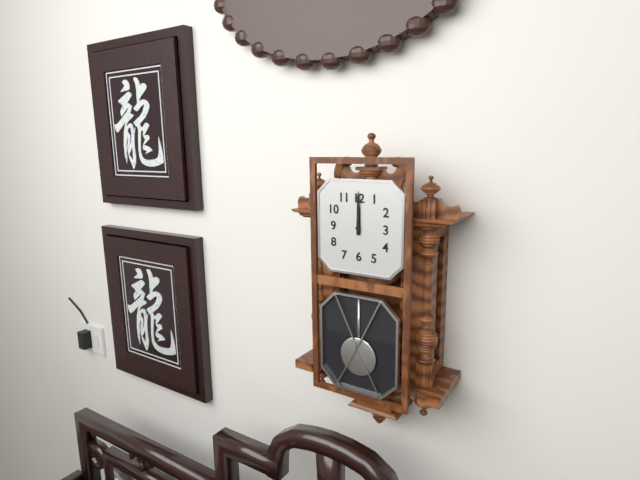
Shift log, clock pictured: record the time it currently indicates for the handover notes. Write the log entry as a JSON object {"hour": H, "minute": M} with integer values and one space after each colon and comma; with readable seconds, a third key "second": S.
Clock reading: {"hour": 12, "minute": 0}
